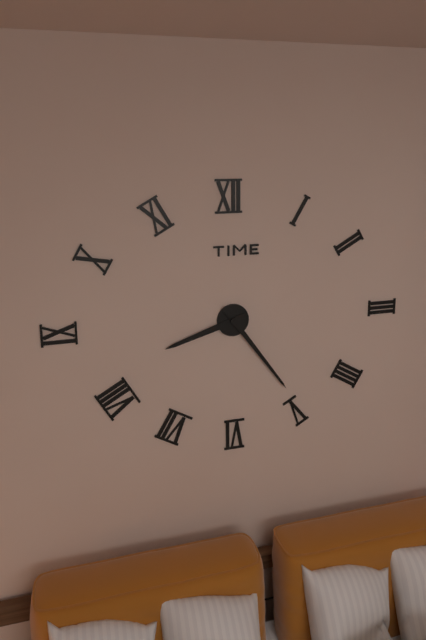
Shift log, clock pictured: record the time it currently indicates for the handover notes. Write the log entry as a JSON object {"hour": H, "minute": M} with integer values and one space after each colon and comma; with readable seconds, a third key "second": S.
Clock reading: {"hour": 8, "minute": 24}
